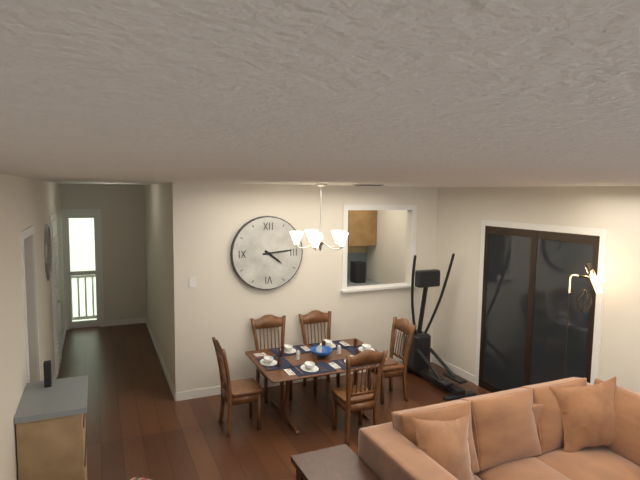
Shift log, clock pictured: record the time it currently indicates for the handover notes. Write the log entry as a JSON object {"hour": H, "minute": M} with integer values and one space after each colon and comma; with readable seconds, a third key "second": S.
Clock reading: {"hour": 4, "minute": 14}
